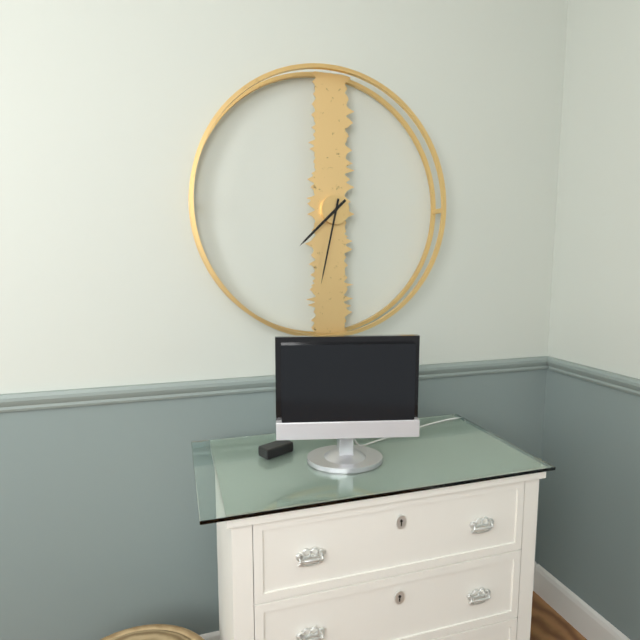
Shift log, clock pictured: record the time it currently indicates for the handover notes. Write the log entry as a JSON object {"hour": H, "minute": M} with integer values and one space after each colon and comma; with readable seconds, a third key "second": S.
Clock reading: {"hour": 7, "minute": 32}
